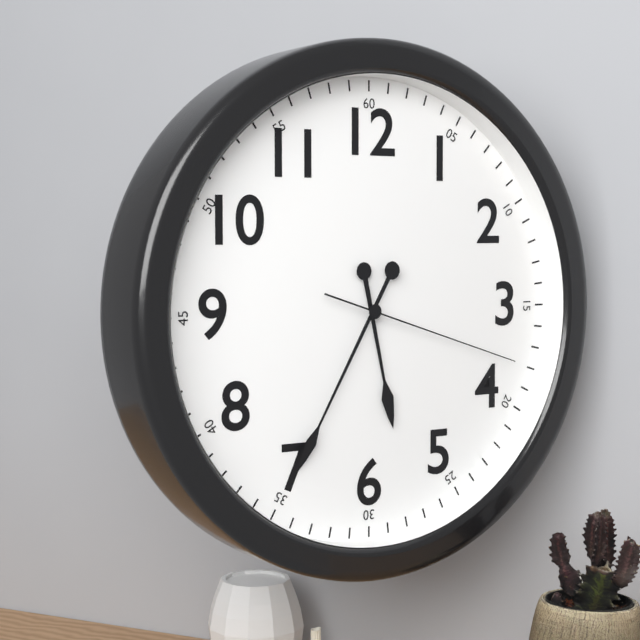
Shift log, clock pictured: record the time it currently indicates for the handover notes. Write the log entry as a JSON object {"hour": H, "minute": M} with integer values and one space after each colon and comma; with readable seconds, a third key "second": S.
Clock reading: {"hour": 5, "minute": 35, "second": 18}
